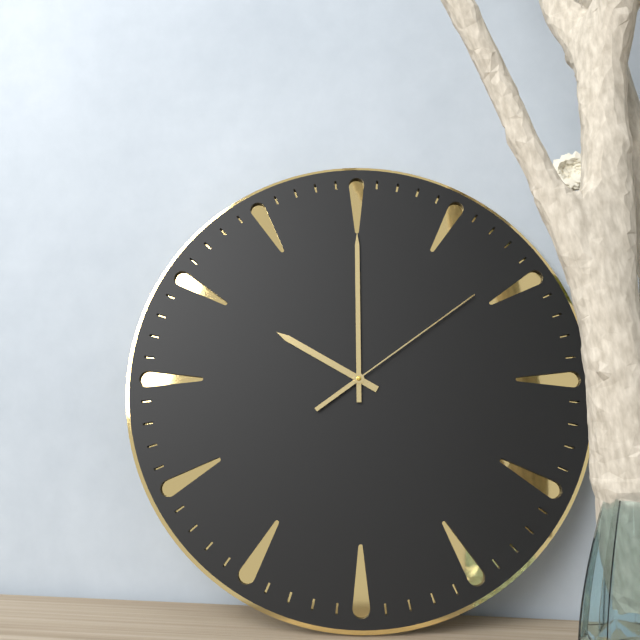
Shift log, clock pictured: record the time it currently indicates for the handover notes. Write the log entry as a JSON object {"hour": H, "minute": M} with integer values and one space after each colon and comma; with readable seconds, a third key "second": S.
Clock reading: {"hour": 10, "minute": 0, "second": 9}
